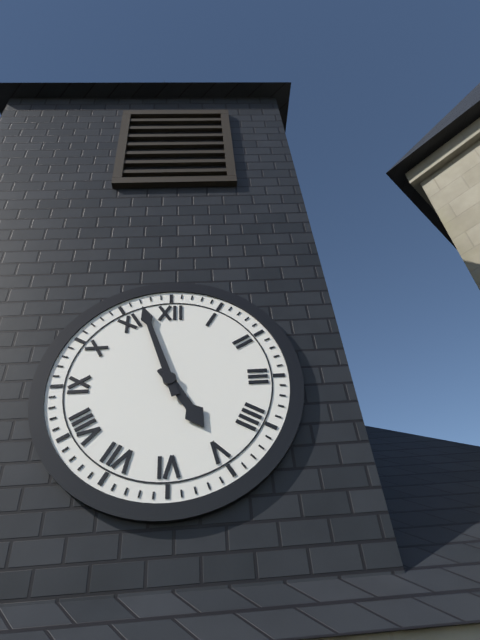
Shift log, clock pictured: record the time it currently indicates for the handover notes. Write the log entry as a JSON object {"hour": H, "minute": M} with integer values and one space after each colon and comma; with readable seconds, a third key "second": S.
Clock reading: {"hour": 4, "minute": 57}
